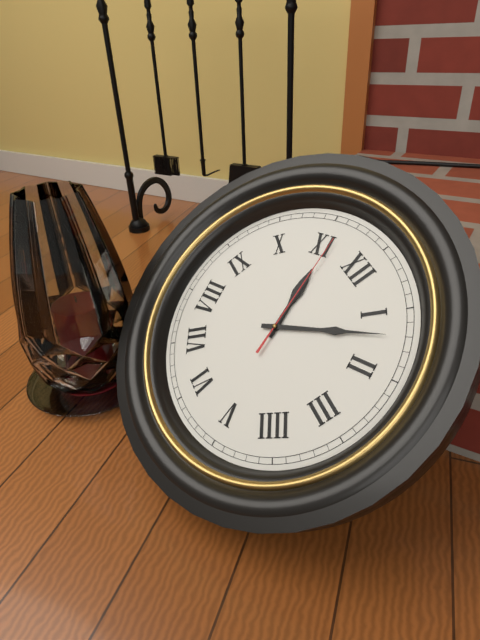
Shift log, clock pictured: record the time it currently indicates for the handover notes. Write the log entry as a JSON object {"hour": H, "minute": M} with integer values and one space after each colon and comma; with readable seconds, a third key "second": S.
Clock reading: {"hour": 11, "minute": 7, "second": 56}
